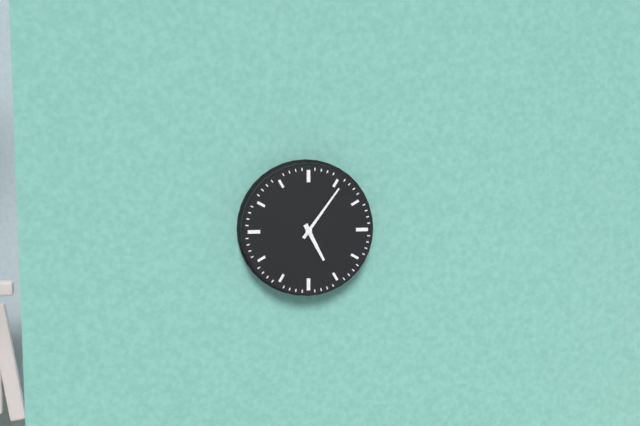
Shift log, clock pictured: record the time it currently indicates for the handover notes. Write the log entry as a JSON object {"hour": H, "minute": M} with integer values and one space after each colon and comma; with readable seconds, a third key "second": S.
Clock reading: {"hour": 5, "minute": 6}
